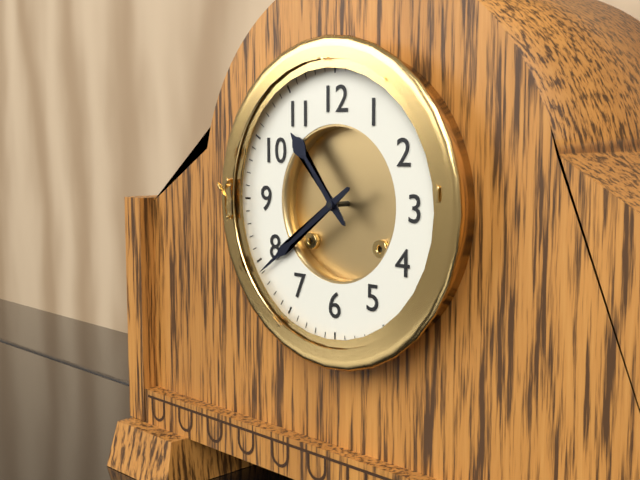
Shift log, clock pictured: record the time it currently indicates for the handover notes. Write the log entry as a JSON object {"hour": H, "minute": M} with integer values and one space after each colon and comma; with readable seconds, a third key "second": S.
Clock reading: {"hour": 10, "minute": 39}
